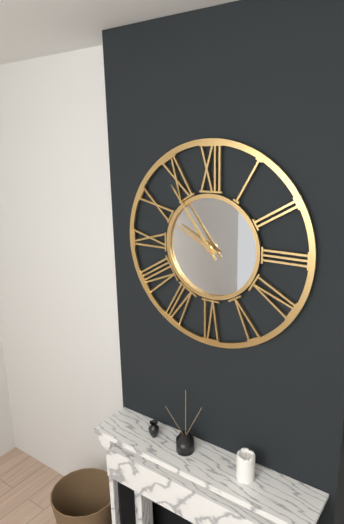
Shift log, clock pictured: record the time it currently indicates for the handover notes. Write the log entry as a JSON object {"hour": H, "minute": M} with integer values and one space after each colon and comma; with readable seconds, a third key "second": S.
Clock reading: {"hour": 9, "minute": 54}
